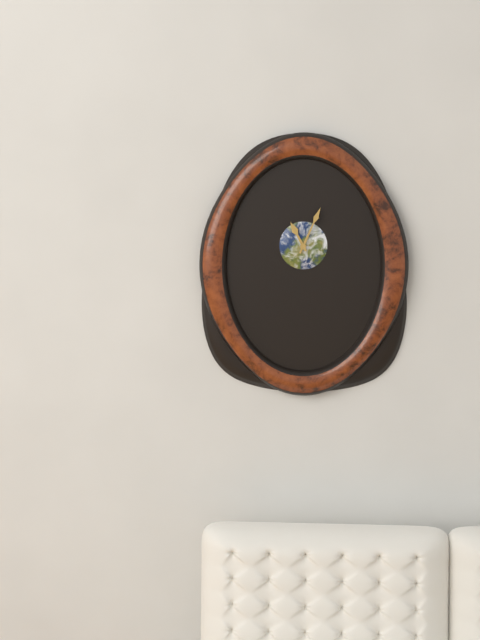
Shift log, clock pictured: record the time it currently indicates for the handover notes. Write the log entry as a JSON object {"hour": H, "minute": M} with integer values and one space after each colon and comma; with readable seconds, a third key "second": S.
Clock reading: {"hour": 11, "minute": 4}
